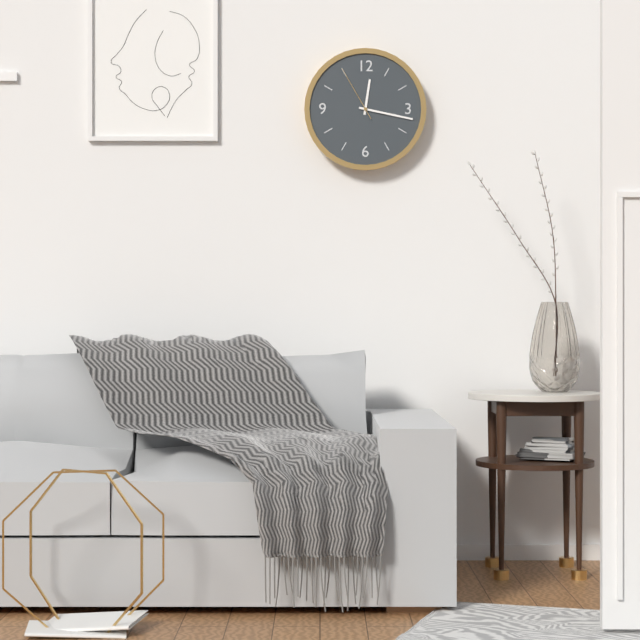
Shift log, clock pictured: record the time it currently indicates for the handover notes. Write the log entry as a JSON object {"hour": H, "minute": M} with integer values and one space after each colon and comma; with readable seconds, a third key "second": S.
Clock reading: {"hour": 12, "minute": 17, "second": 55}
